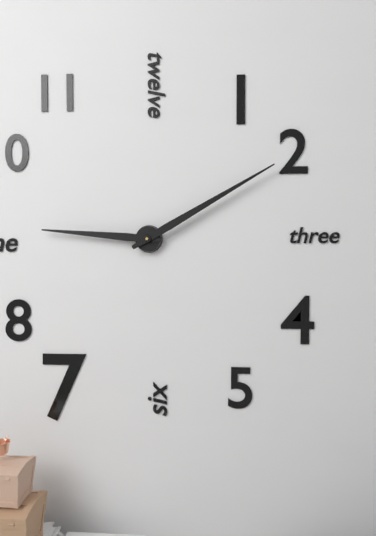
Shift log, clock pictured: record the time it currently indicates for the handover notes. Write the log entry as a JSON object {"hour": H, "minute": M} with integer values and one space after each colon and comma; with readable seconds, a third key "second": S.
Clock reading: {"hour": 9, "minute": 10}
